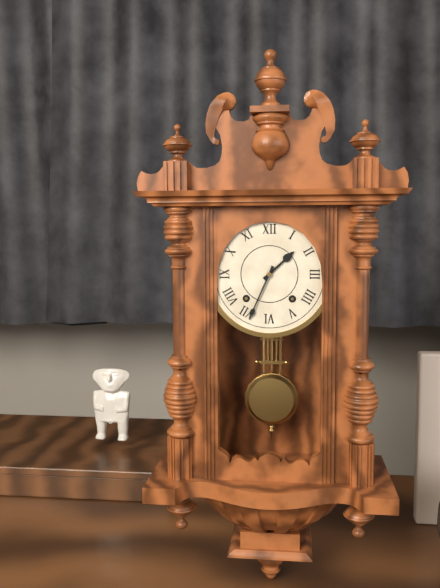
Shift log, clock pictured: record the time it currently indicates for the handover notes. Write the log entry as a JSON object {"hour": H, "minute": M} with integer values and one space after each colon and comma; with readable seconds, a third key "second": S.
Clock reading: {"hour": 1, "minute": 34}
